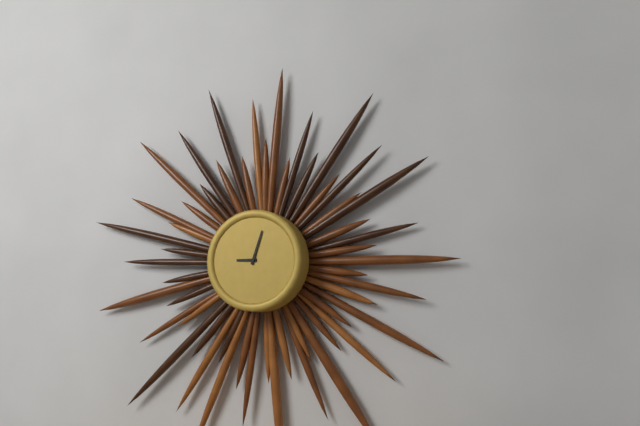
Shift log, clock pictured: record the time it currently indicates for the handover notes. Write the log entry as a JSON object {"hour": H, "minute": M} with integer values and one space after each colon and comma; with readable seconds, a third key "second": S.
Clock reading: {"hour": 9, "minute": 3}
